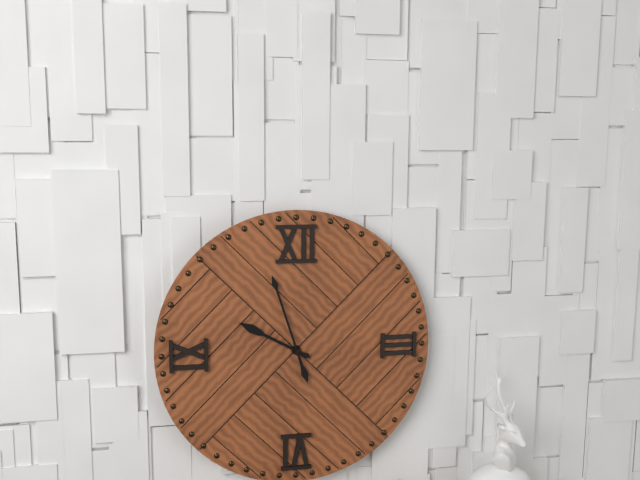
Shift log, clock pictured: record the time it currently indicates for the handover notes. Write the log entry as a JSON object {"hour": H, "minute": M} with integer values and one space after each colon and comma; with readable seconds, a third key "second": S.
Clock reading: {"hour": 9, "minute": 57}
